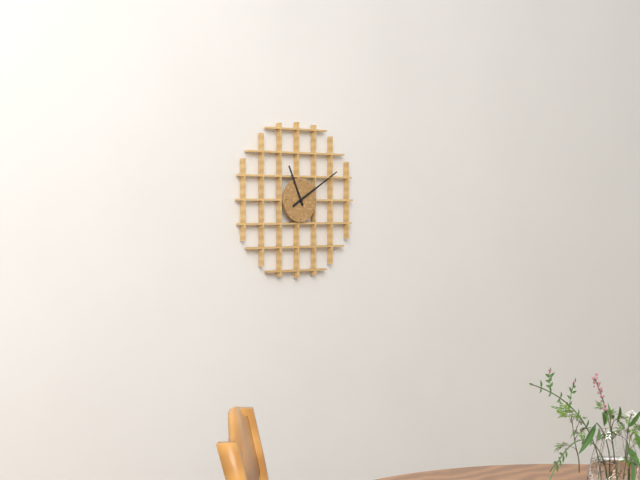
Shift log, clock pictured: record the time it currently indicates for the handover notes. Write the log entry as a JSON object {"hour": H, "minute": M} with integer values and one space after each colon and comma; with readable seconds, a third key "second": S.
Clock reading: {"hour": 11, "minute": 10}
